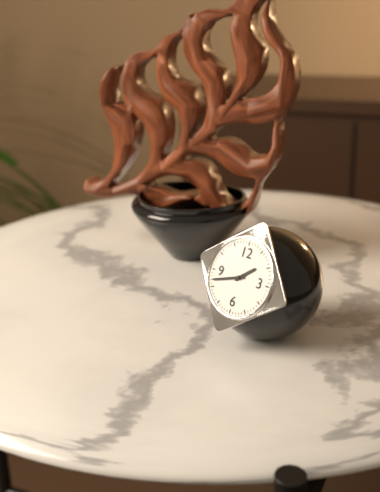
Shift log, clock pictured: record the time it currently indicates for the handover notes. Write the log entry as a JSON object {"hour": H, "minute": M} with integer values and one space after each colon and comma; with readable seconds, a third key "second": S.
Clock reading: {"hour": 1, "minute": 42}
